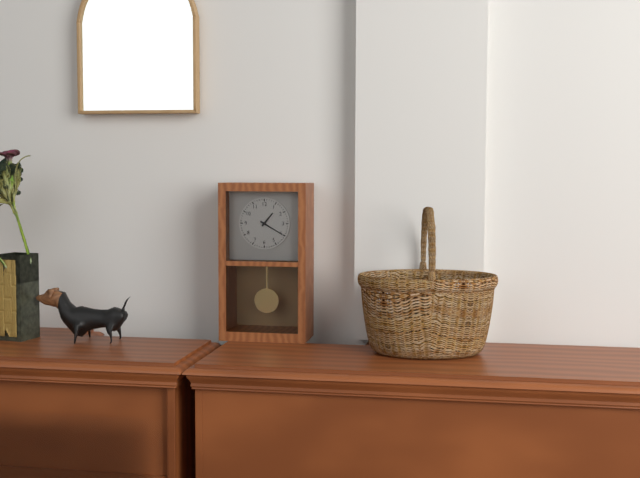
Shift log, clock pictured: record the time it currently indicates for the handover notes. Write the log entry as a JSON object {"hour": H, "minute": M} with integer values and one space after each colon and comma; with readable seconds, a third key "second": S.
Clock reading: {"hour": 1, "minute": 20}
